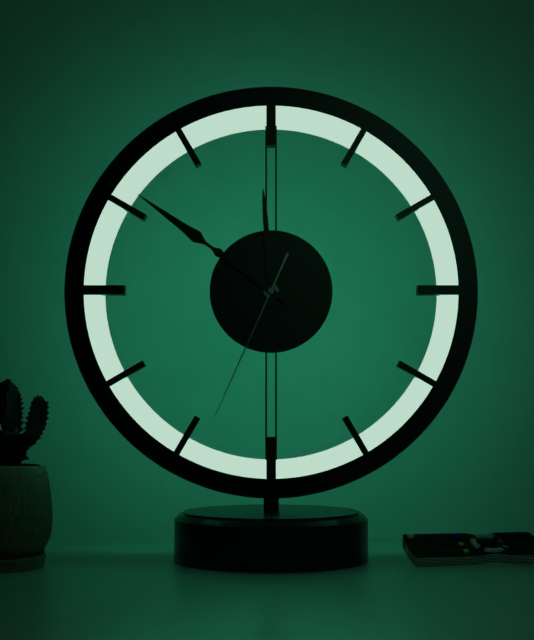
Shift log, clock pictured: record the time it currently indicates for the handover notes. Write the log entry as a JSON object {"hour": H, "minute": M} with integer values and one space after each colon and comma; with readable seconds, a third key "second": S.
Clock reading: {"hour": 11, "minute": 51, "second": 34}
